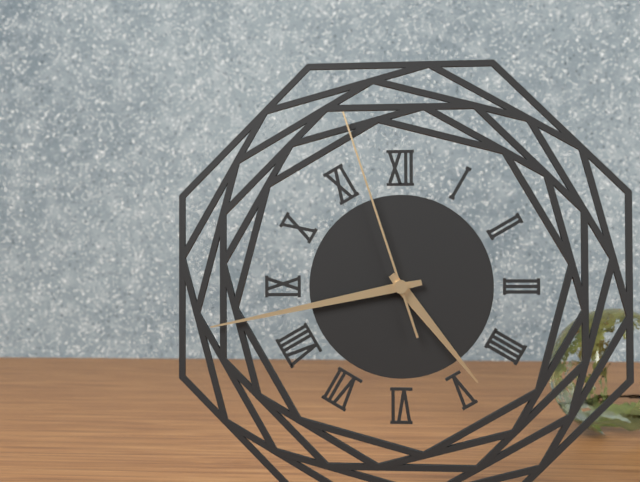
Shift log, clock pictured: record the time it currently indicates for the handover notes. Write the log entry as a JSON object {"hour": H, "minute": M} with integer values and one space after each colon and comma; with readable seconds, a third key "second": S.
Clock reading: {"hour": 4, "minute": 43, "second": 57}
